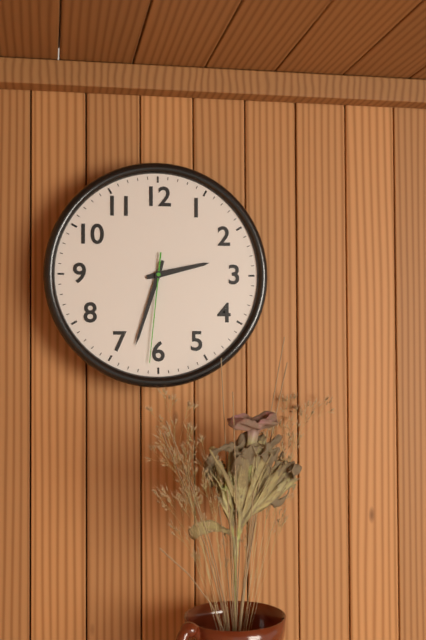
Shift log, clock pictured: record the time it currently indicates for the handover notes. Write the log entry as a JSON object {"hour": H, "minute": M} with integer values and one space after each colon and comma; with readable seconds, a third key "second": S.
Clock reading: {"hour": 2, "minute": 33, "second": 31}
